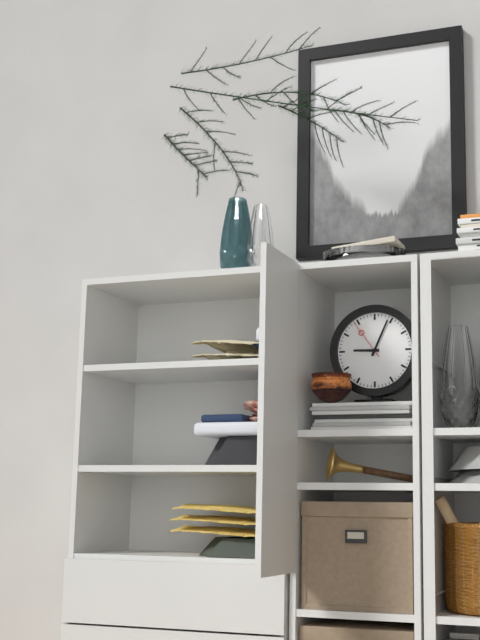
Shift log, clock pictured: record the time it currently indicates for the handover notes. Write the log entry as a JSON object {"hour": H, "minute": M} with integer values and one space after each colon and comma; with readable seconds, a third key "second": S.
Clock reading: {"hour": 9, "minute": 4}
